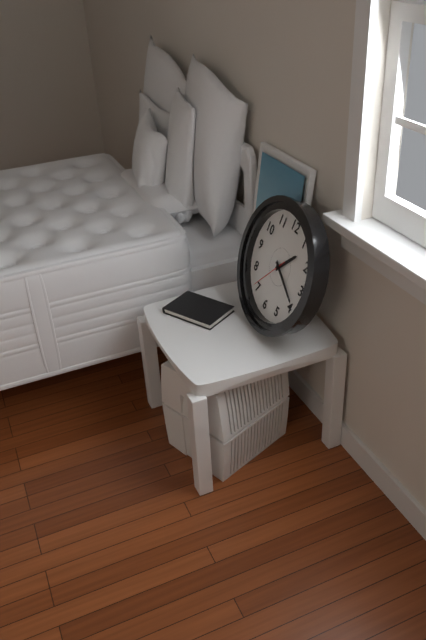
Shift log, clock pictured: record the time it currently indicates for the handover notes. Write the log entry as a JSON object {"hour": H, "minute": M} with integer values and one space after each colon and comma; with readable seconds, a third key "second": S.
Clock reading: {"hour": 1, "minute": 19}
